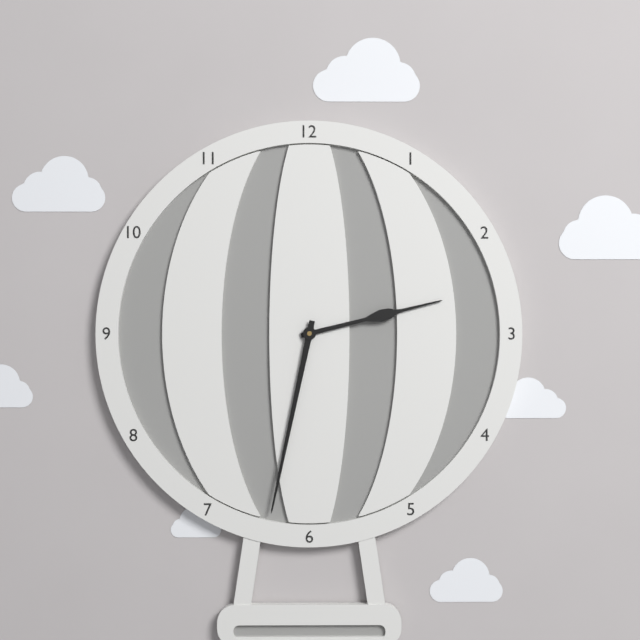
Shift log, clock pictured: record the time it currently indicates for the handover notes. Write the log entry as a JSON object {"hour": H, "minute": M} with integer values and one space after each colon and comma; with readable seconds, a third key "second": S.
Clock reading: {"hour": 2, "minute": 32}
